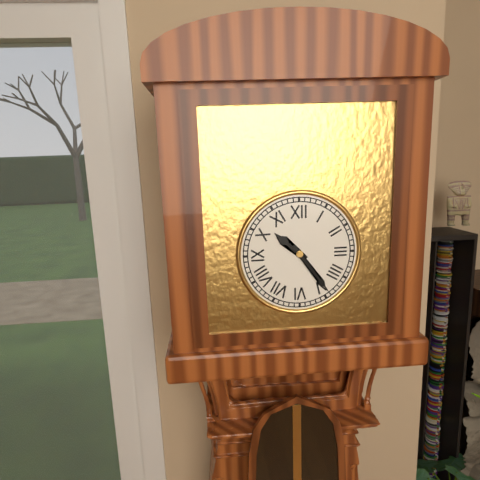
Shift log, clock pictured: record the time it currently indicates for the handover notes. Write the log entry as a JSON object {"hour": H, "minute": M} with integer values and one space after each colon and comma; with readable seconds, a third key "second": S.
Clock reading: {"hour": 10, "minute": 24}
